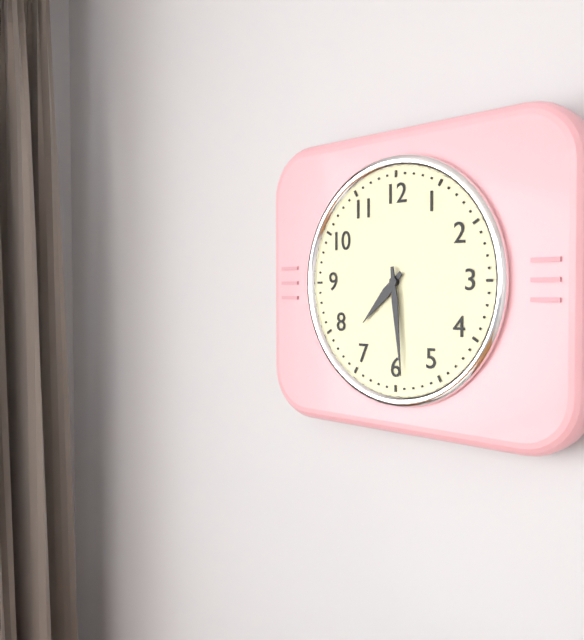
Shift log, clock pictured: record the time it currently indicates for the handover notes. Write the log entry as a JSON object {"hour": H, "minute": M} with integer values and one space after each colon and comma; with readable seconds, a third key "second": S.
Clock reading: {"hour": 7, "minute": 29}
